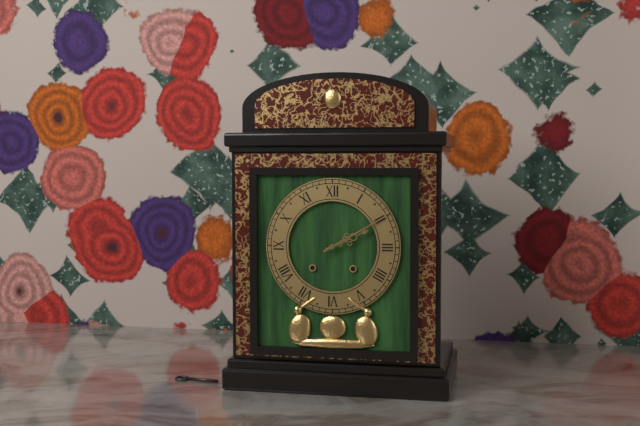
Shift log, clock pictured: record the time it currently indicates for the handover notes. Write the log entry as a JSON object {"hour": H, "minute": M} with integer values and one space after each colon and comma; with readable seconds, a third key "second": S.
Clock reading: {"hour": 2, "minute": 10}
